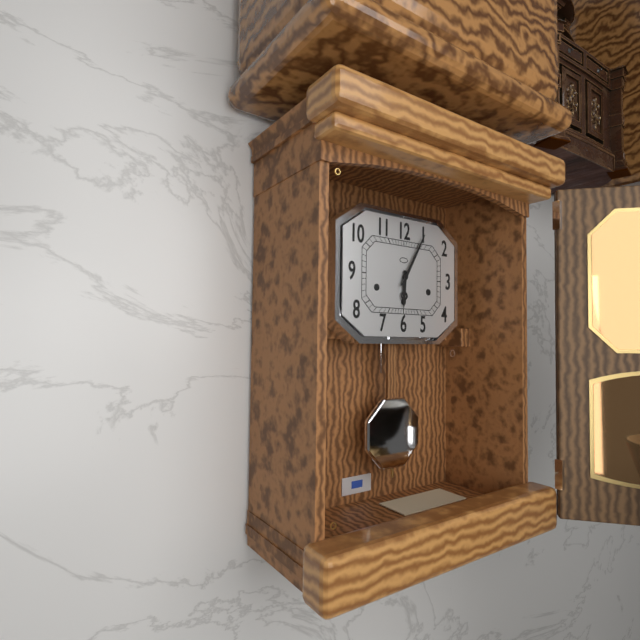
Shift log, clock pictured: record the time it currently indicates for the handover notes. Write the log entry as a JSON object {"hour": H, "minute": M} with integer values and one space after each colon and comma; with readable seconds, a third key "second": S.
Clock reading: {"hour": 6, "minute": 5}
